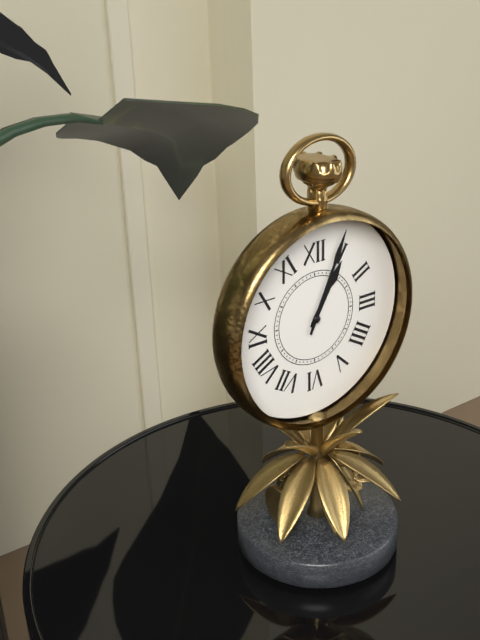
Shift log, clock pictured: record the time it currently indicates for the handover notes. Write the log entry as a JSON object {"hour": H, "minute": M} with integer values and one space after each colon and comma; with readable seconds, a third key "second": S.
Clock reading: {"hour": 1, "minute": 4}
